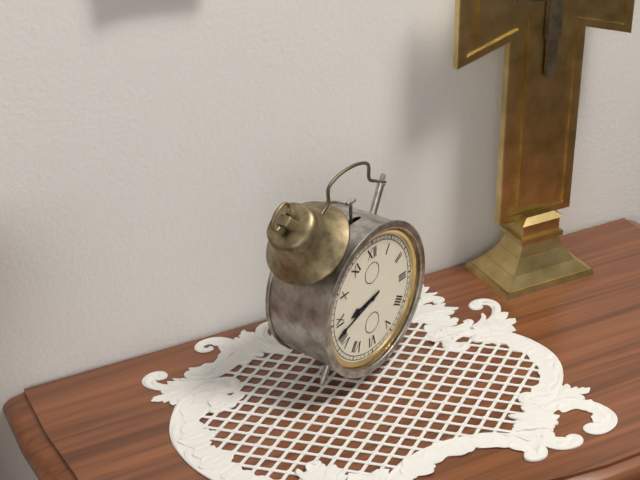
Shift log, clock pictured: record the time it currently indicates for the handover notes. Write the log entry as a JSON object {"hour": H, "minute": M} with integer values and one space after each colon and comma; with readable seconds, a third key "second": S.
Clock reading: {"hour": 8, "minute": 42}
